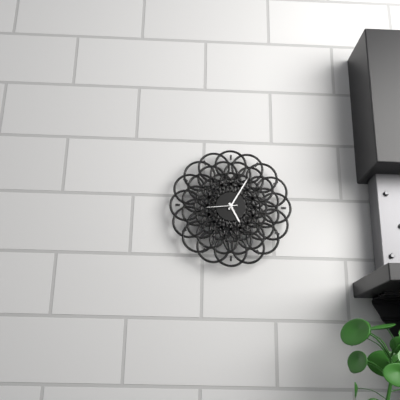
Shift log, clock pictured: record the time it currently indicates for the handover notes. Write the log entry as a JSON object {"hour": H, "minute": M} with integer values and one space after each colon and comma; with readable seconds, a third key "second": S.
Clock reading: {"hour": 5, "minute": 5}
